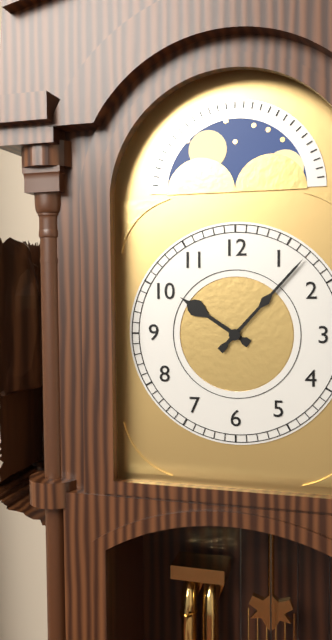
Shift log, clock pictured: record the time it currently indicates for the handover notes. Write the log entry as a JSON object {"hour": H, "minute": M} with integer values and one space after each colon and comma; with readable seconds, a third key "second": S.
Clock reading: {"hour": 10, "minute": 7}
